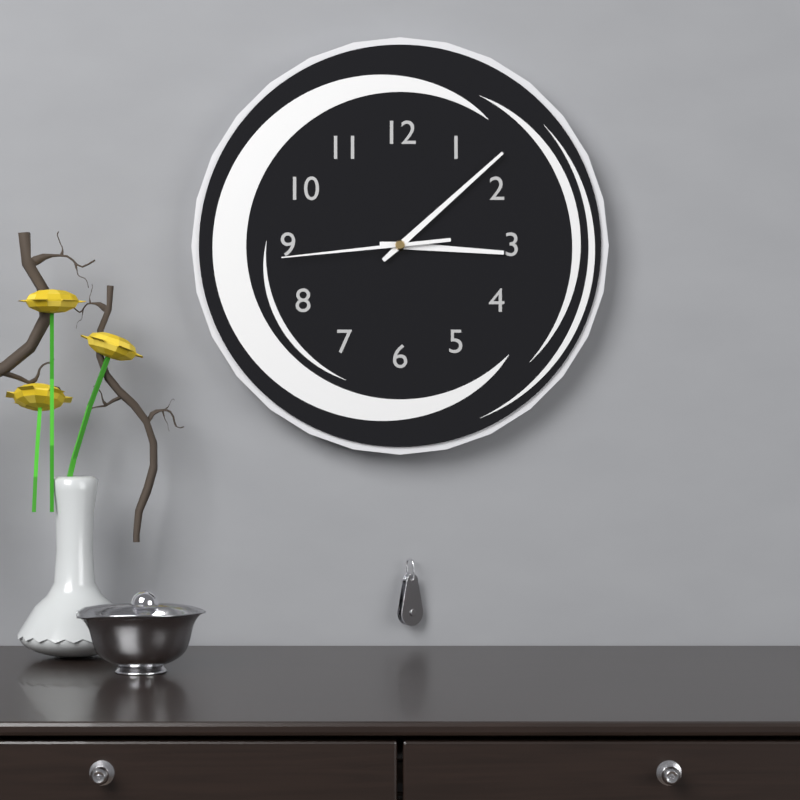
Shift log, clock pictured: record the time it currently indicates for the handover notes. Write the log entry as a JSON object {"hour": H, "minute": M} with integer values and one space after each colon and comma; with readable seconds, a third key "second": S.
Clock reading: {"hour": 3, "minute": 8, "second": 44}
